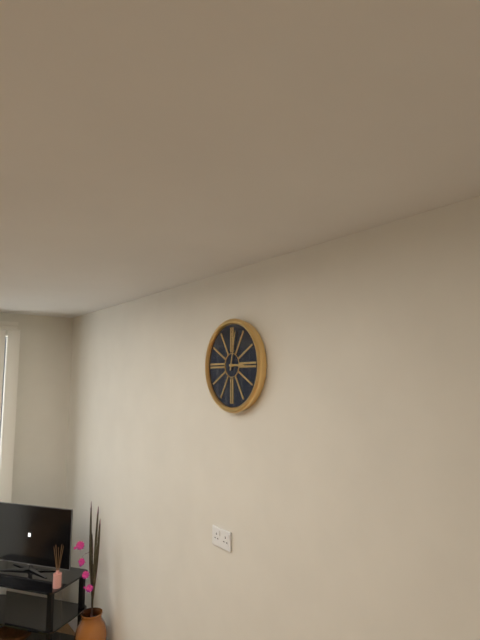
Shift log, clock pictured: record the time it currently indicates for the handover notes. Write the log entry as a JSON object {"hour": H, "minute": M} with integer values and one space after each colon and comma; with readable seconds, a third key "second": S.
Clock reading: {"hour": 3, "minute": 2}
